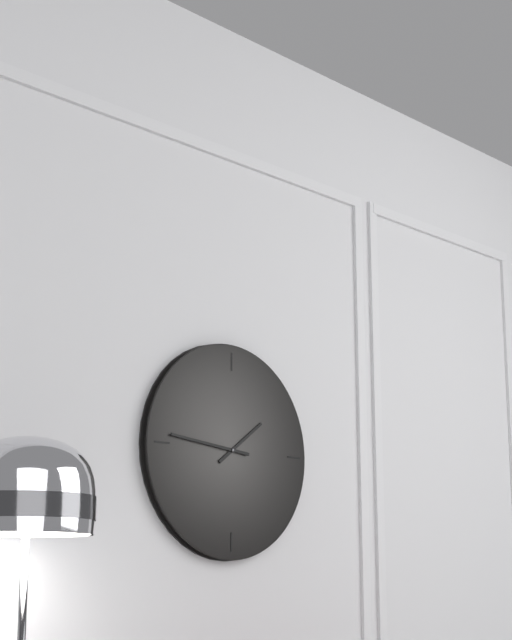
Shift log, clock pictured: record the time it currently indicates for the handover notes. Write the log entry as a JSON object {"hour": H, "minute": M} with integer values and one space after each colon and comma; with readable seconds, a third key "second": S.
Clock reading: {"hour": 1, "minute": 46}
